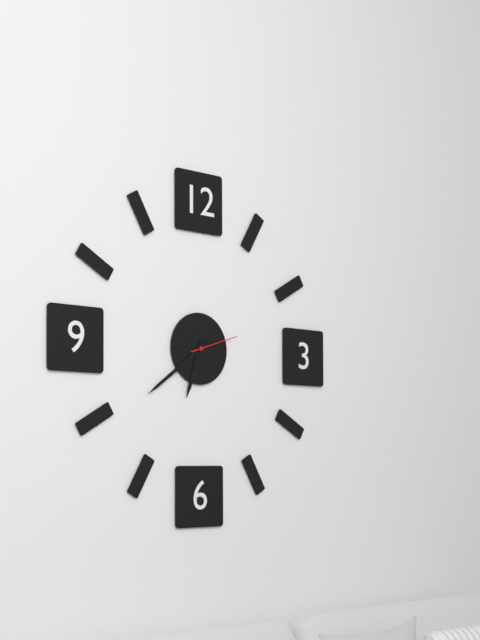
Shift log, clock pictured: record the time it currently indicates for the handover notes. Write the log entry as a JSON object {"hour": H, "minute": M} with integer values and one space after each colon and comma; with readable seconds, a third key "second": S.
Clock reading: {"hour": 6, "minute": 39, "second": 12}
